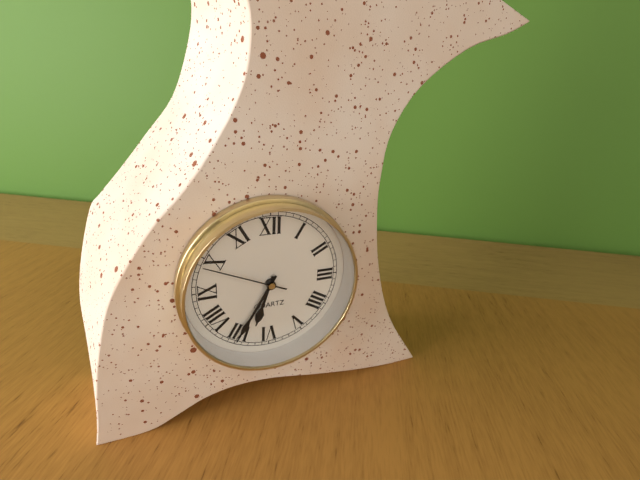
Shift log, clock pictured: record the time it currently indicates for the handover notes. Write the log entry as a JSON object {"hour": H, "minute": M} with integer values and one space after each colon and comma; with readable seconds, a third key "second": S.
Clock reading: {"hour": 6, "minute": 35, "second": 49}
